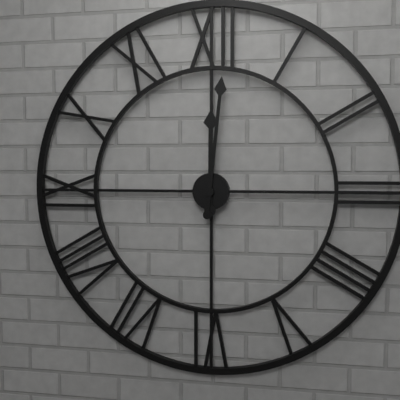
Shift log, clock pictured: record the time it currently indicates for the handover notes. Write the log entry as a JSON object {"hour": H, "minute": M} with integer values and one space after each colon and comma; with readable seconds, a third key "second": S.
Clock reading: {"hour": 12, "minute": 1}
